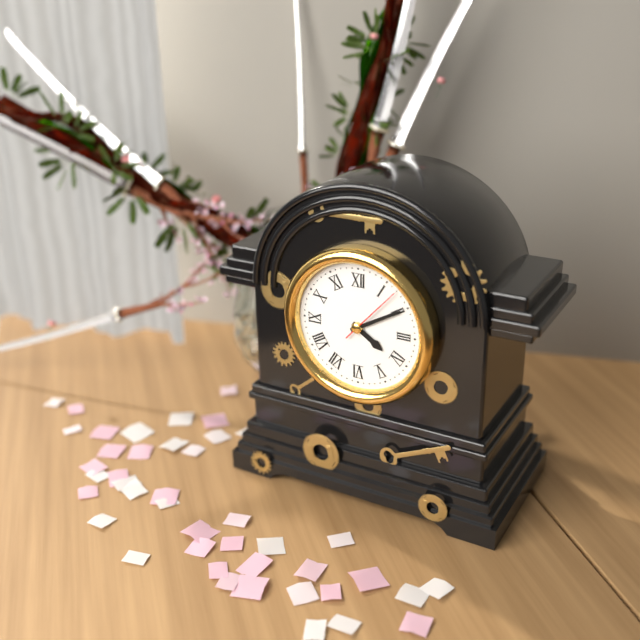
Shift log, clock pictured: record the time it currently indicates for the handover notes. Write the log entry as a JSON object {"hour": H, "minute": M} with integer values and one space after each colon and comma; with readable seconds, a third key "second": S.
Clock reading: {"hour": 4, "minute": 10, "second": 7}
